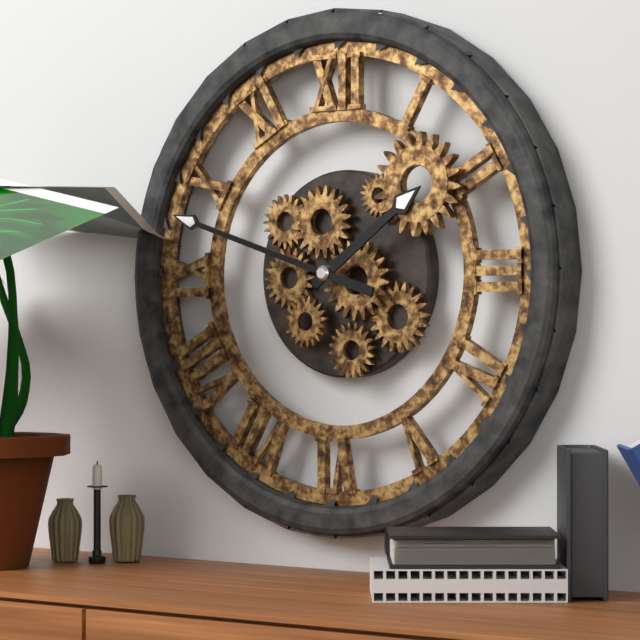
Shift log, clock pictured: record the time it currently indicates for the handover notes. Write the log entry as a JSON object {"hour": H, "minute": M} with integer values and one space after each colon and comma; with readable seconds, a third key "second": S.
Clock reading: {"hour": 1, "minute": 48}
